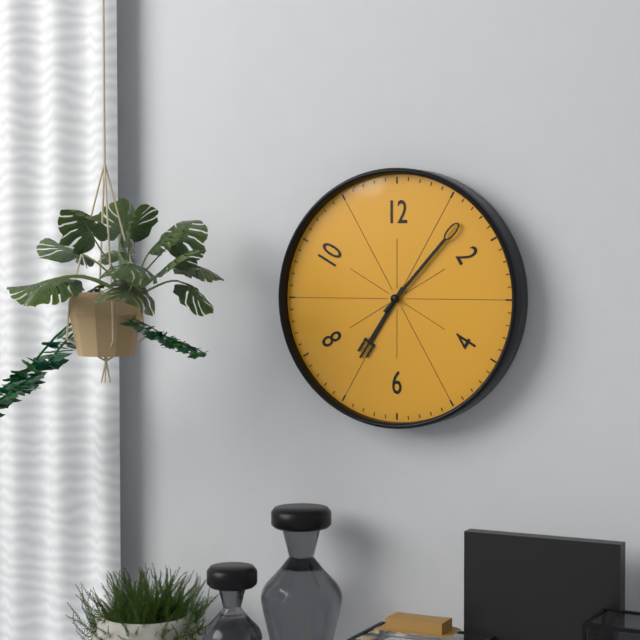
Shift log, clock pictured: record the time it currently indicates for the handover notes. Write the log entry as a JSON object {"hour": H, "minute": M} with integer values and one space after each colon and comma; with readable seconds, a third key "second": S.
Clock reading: {"hour": 7, "minute": 7}
